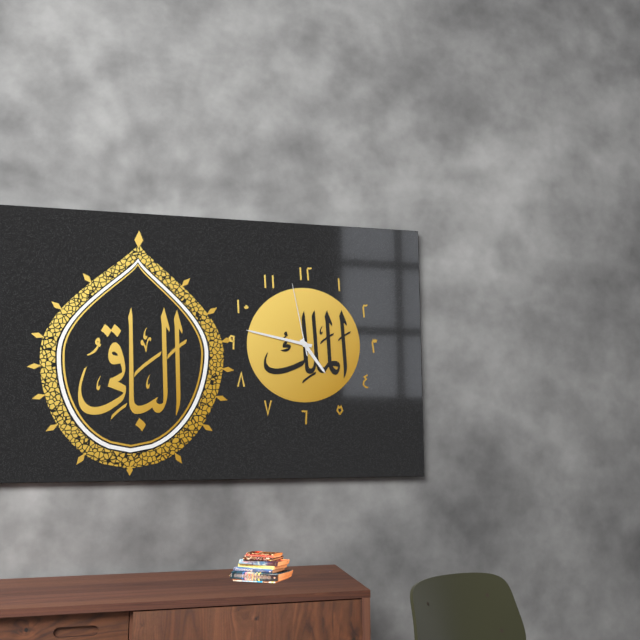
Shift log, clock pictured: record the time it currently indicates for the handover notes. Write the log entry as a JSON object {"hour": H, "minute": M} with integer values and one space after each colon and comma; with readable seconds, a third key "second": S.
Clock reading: {"hour": 4, "minute": 47, "second": 58}
